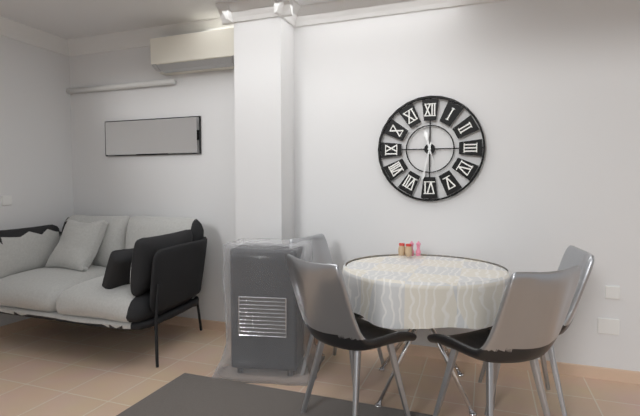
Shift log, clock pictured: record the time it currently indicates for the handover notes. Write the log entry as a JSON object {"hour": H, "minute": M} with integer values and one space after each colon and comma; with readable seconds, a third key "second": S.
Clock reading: {"hour": 11, "minute": 32}
